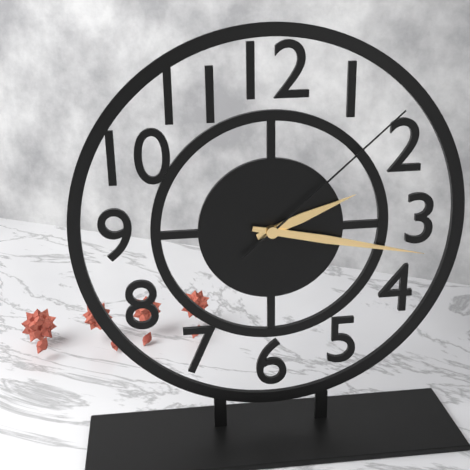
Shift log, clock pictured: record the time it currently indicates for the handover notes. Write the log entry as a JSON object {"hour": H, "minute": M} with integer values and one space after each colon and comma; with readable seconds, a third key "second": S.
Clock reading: {"hour": 2, "minute": 17, "second": 8}
